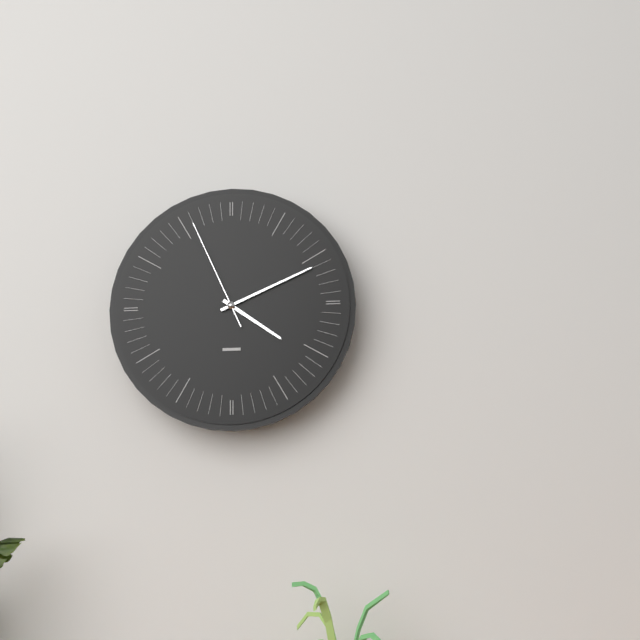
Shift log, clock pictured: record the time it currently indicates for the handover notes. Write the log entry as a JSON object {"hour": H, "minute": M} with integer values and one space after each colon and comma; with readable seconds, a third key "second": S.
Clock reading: {"hour": 4, "minute": 11, "second": 56}
